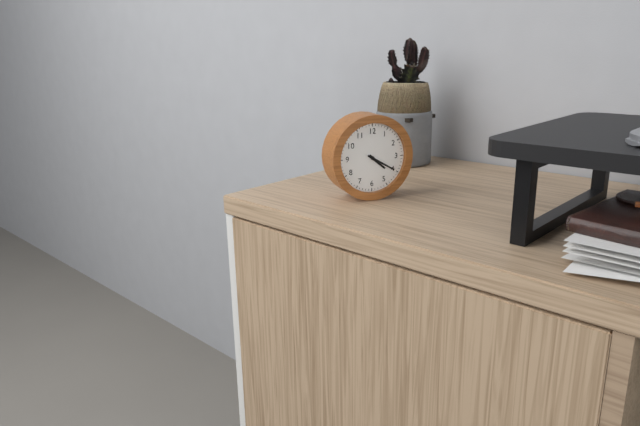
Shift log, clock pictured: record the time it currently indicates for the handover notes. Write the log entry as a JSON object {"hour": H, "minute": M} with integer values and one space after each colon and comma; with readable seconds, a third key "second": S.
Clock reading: {"hour": 4, "minute": 20}
